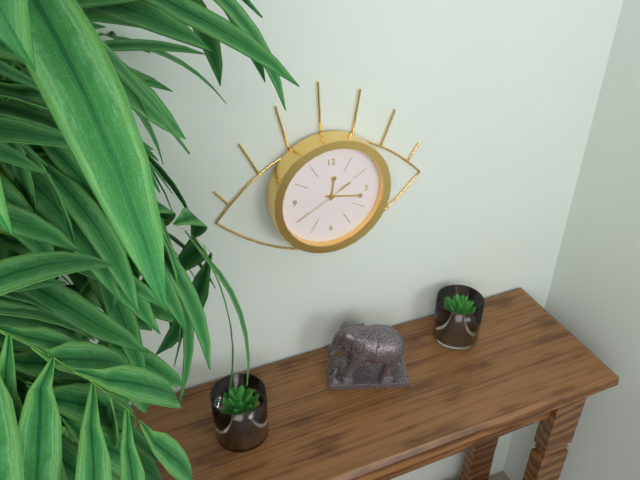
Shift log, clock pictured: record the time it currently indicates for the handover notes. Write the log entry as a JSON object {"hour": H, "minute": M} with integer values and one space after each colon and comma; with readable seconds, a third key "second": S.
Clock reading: {"hour": 12, "minute": 17, "second": 40}
